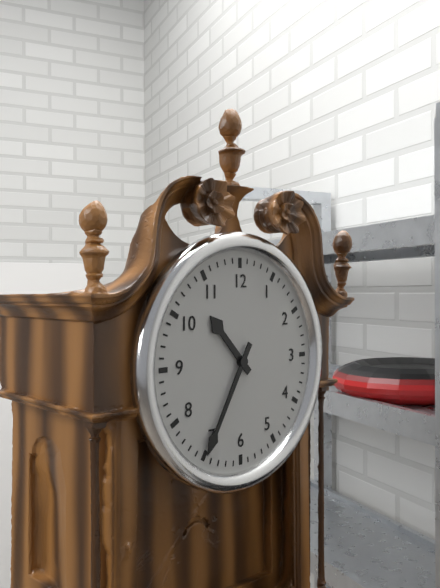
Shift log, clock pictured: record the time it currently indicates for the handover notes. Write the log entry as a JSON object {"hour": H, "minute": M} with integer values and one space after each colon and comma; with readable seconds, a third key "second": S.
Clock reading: {"hour": 10, "minute": 35}
